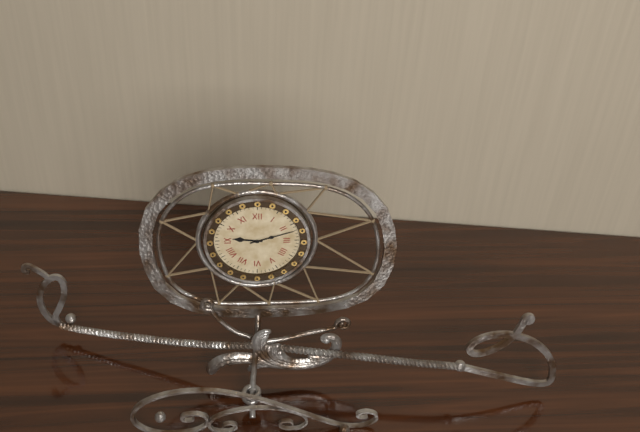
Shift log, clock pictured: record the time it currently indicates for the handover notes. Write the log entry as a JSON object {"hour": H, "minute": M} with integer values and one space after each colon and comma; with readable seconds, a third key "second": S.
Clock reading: {"hour": 9, "minute": 12}
